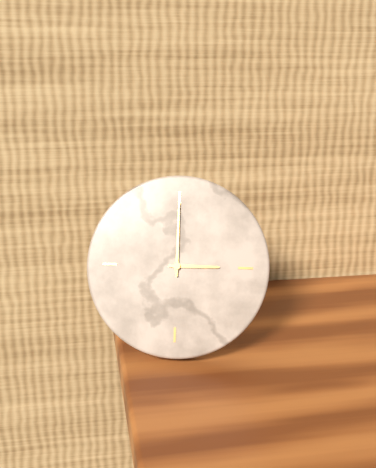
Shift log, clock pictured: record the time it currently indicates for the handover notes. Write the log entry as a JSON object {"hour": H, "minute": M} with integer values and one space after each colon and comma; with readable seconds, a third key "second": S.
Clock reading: {"hour": 3, "minute": 0}
